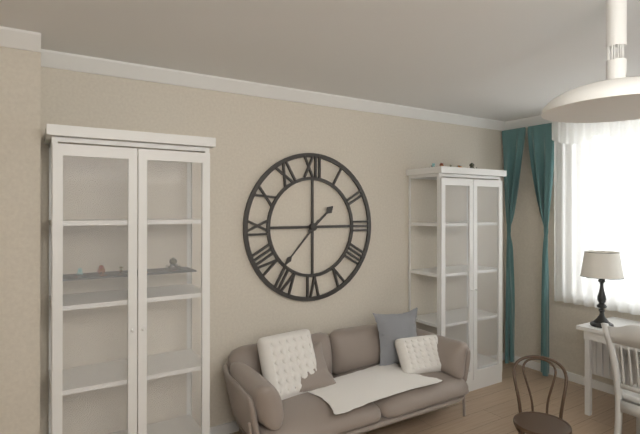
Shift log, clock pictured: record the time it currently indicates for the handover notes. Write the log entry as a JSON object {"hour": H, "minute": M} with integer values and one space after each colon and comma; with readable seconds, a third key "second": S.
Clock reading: {"hour": 1, "minute": 37}
